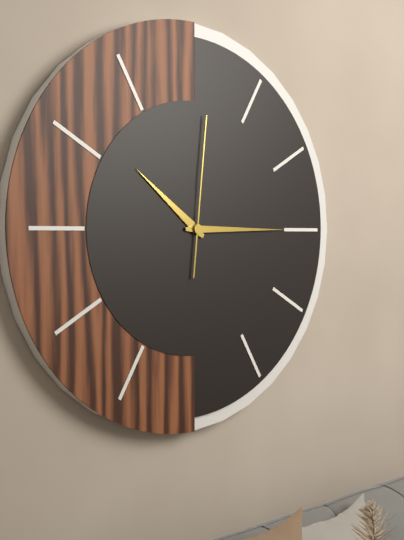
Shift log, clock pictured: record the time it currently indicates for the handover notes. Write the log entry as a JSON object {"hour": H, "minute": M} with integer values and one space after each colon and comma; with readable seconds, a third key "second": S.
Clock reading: {"hour": 10, "minute": 15, "second": 1}
